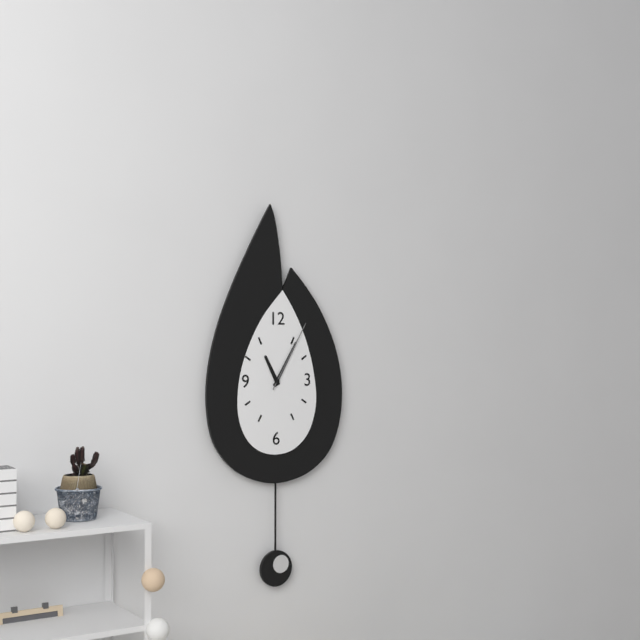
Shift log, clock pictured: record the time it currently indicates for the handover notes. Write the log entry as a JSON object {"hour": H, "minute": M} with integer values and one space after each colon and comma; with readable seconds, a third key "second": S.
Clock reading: {"hour": 11, "minute": 5, "second": 5}
